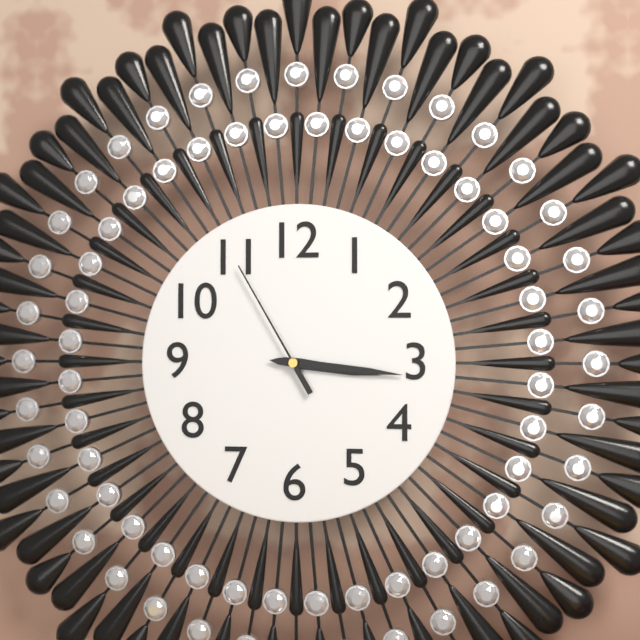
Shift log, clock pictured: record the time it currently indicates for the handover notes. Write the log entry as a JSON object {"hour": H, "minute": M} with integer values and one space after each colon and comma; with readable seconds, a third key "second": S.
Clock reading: {"hour": 3, "minute": 16, "second": 55}
